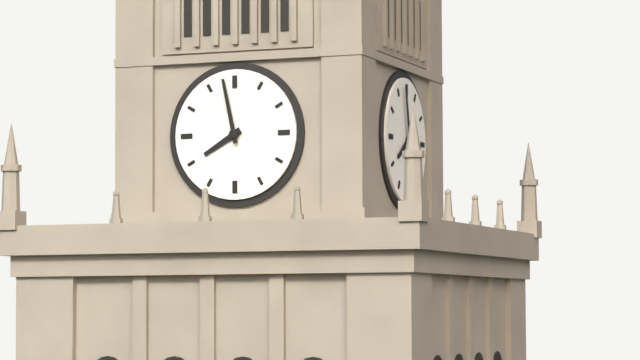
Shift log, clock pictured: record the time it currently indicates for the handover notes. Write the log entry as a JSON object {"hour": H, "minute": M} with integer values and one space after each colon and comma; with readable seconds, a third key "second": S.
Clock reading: {"hour": 7, "minute": 58}
